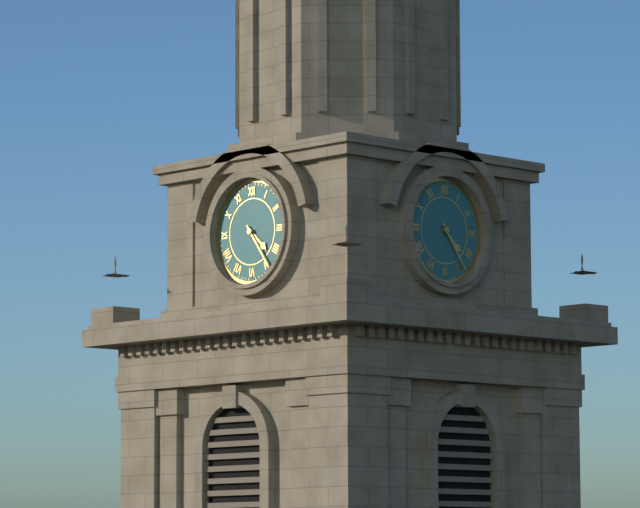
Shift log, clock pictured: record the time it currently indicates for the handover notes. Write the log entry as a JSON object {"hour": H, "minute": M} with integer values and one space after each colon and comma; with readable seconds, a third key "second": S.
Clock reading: {"hour": 4, "minute": 24}
